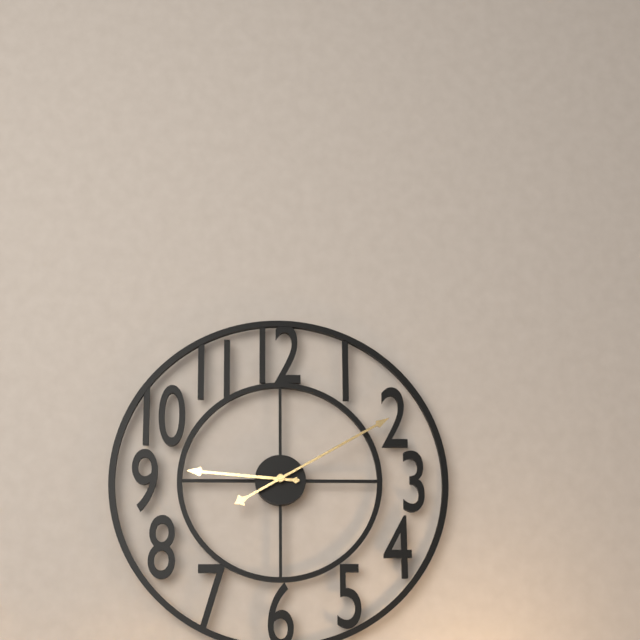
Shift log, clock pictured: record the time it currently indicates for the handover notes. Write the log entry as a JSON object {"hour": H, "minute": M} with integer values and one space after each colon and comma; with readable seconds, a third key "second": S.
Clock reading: {"hour": 9, "minute": 10}
